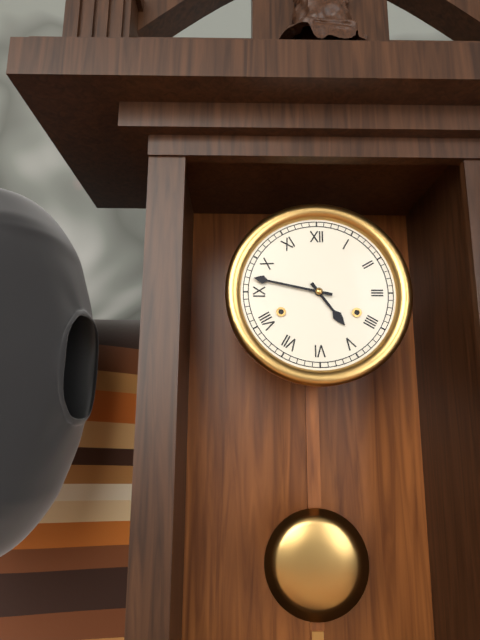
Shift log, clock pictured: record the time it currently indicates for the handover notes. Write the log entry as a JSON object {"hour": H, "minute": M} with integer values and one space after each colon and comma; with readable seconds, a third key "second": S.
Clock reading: {"hour": 4, "minute": 47}
